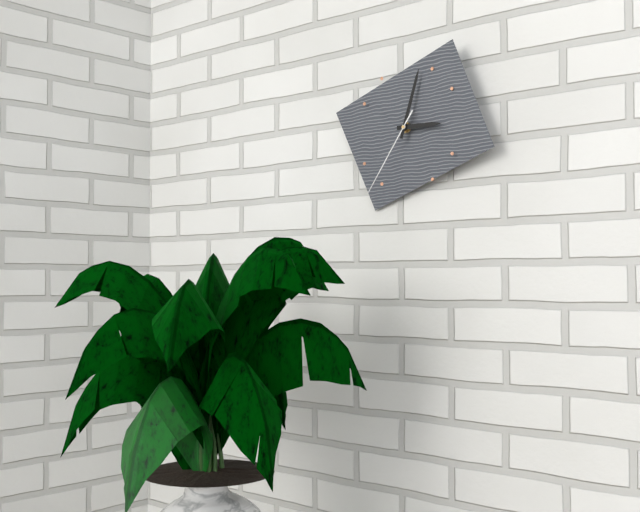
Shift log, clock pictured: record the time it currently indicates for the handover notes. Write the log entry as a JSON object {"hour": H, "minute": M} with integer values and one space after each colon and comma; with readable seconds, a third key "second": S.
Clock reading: {"hour": 3, "minute": 3, "second": 36}
